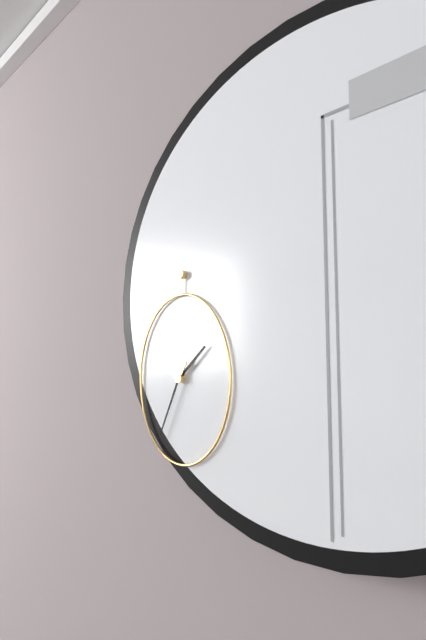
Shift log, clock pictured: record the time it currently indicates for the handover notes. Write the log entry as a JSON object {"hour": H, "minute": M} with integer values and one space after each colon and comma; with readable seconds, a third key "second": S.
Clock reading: {"hour": 1, "minute": 34}
